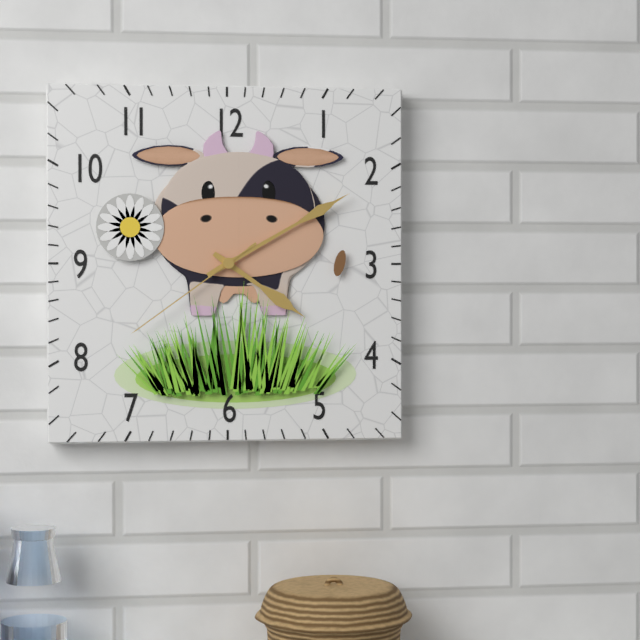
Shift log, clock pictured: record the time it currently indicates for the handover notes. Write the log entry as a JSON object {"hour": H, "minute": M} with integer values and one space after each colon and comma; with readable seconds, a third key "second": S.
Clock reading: {"hour": 4, "minute": 10, "second": 39}
